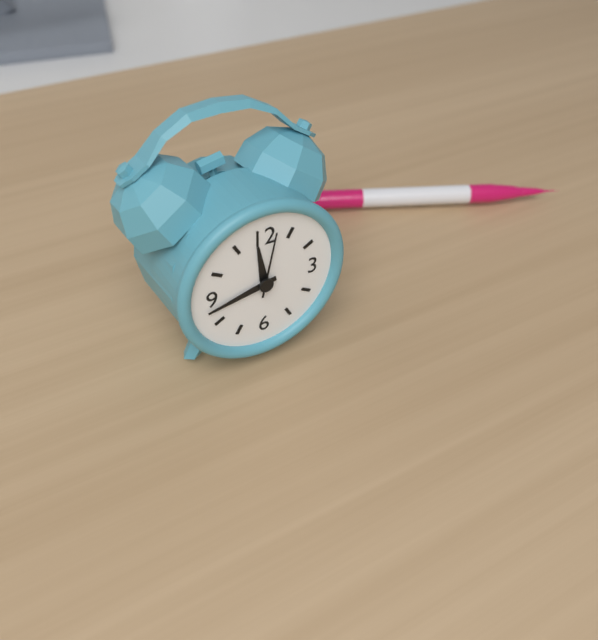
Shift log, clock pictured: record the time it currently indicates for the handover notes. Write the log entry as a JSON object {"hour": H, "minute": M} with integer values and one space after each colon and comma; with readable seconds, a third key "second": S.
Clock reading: {"hour": 11, "minute": 43, "second": 2}
